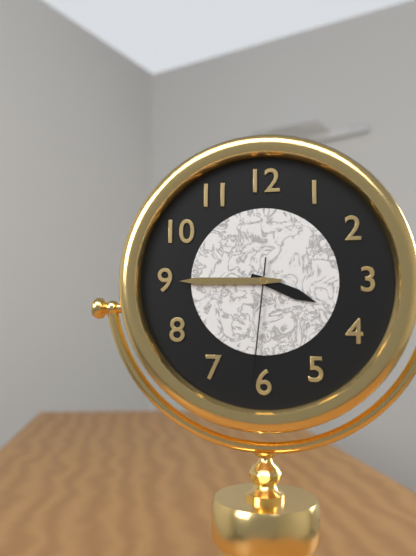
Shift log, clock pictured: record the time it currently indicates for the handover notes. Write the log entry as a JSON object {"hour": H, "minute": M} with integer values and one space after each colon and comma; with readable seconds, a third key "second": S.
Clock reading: {"hour": 3, "minute": 45, "second": 31}
